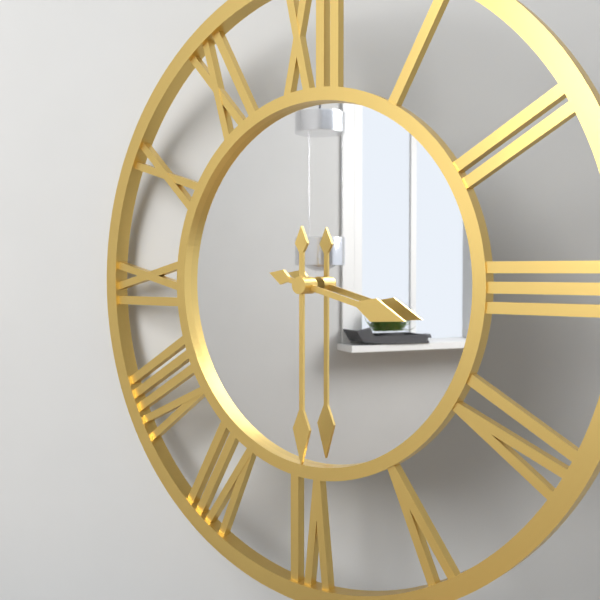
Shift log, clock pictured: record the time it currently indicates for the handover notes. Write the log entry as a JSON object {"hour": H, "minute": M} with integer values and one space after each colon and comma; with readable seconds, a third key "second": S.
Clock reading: {"hour": 3, "minute": 30}
